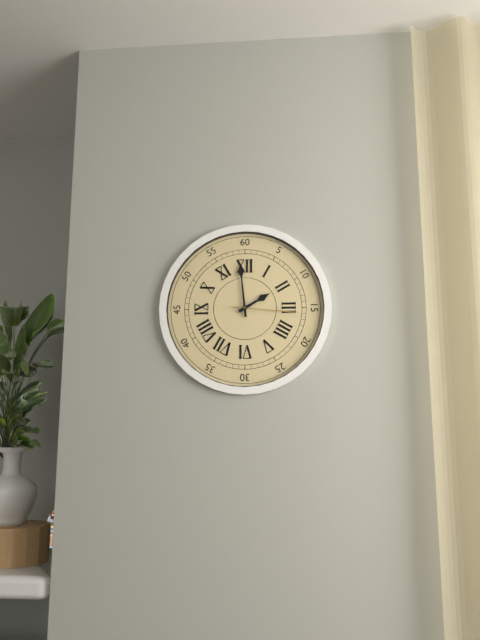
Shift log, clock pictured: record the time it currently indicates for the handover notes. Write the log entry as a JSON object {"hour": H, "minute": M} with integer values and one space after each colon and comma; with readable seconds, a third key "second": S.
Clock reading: {"hour": 1, "minute": 59, "second": 16}
